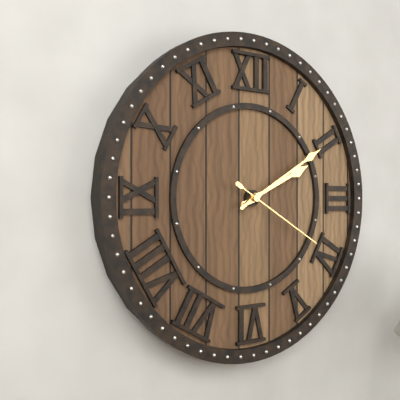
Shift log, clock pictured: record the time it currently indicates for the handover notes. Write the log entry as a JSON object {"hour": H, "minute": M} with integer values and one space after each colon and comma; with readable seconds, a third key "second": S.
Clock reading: {"hour": 2, "minute": 10, "second": 20}
